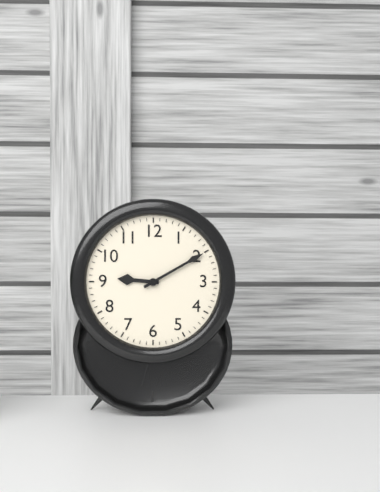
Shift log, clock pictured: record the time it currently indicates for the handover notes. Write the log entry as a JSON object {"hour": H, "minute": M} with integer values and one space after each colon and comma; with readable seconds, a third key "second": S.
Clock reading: {"hour": 9, "minute": 10}
